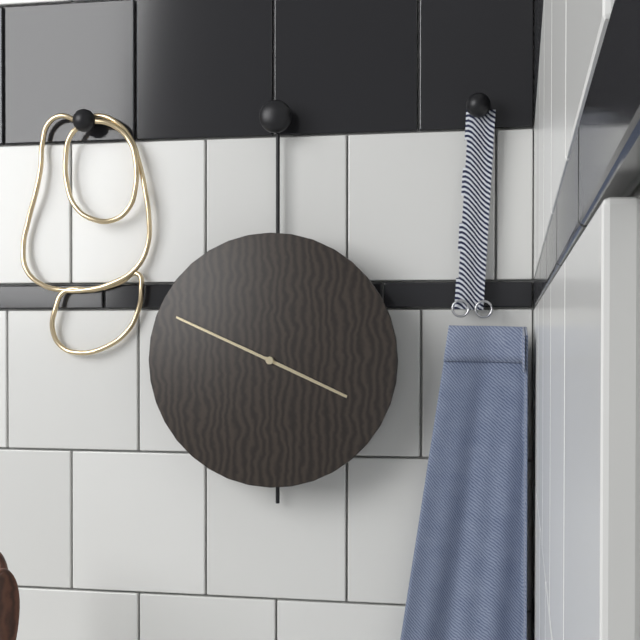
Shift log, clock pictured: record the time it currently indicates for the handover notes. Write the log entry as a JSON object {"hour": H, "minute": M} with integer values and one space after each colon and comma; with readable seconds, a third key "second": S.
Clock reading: {"hour": 3, "minute": 49}
